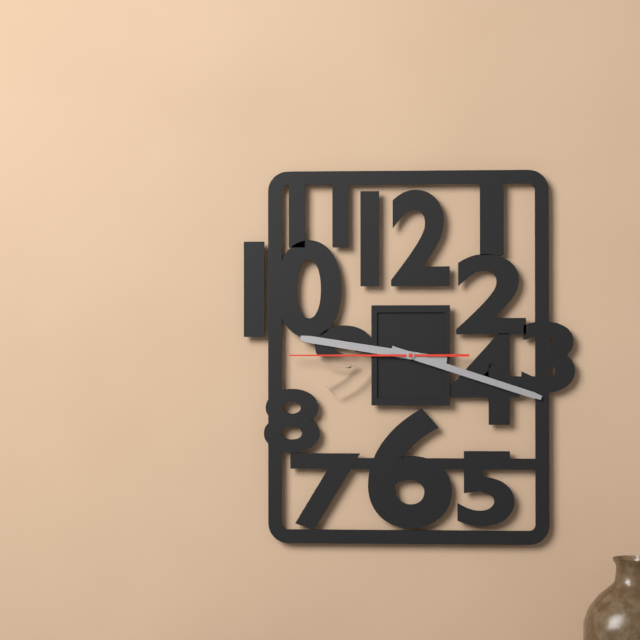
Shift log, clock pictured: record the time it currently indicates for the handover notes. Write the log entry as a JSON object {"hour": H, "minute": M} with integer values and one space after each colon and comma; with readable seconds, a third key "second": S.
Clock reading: {"hour": 9, "minute": 18, "second": 45}
